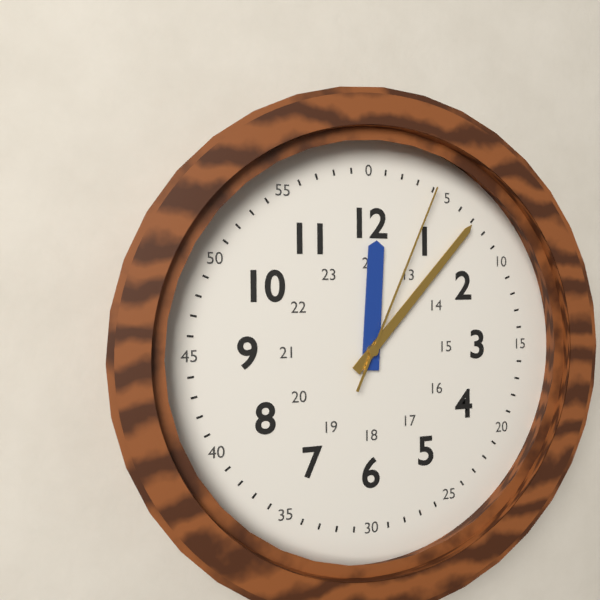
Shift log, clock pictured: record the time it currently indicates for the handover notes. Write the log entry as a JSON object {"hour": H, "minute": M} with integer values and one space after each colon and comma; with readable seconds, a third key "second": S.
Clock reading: {"hour": 12, "minute": 7, "second": 4}
